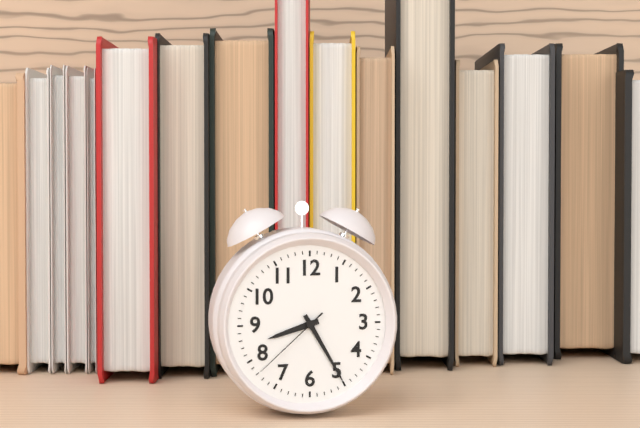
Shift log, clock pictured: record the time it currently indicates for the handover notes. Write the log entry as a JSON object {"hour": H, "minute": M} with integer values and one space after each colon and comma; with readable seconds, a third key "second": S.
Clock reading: {"hour": 8, "minute": 25, "second": 38}
